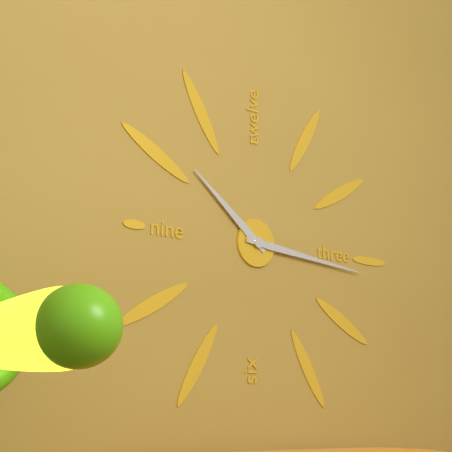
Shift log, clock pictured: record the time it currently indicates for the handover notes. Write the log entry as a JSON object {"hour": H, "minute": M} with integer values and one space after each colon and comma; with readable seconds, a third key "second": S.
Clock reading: {"hour": 10, "minute": 16}
